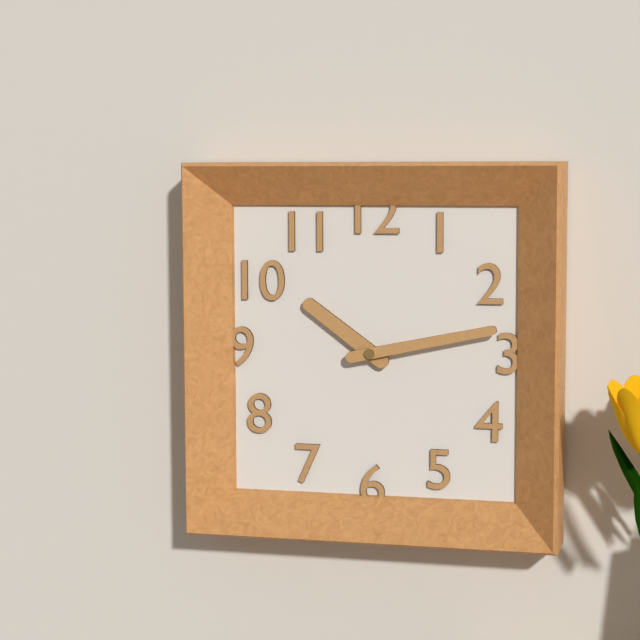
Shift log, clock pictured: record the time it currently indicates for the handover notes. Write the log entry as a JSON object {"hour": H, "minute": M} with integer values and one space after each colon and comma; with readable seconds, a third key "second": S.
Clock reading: {"hour": 10, "minute": 13}
